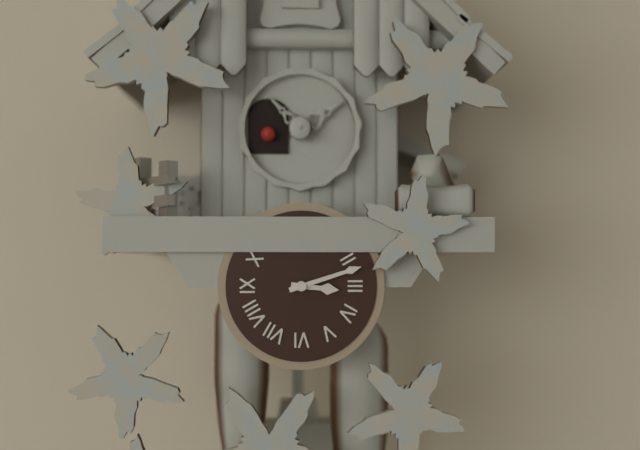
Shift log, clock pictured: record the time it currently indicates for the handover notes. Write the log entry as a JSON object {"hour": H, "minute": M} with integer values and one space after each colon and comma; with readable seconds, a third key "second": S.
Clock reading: {"hour": 3, "minute": 12}
